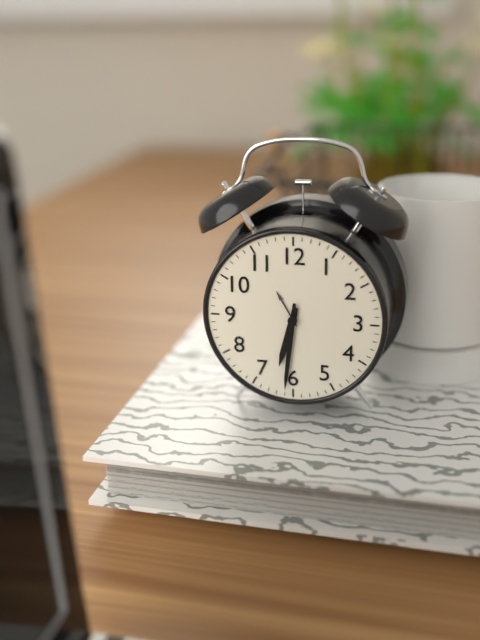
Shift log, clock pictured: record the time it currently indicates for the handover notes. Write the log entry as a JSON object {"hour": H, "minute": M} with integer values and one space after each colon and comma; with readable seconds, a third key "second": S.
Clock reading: {"hour": 6, "minute": 31}
